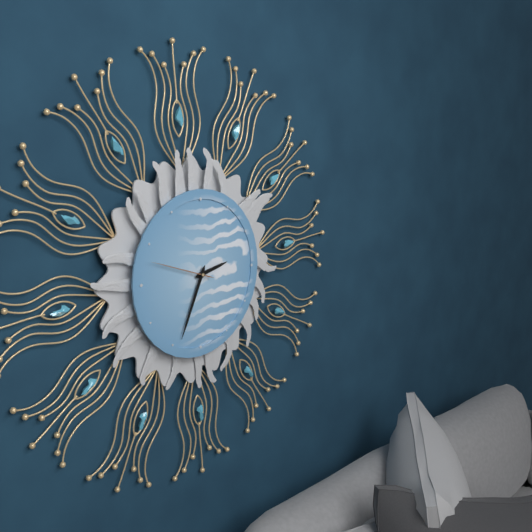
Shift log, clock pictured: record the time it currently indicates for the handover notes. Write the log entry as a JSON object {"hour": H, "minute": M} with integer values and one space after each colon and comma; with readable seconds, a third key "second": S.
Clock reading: {"hour": 2, "minute": 34, "second": 48}
